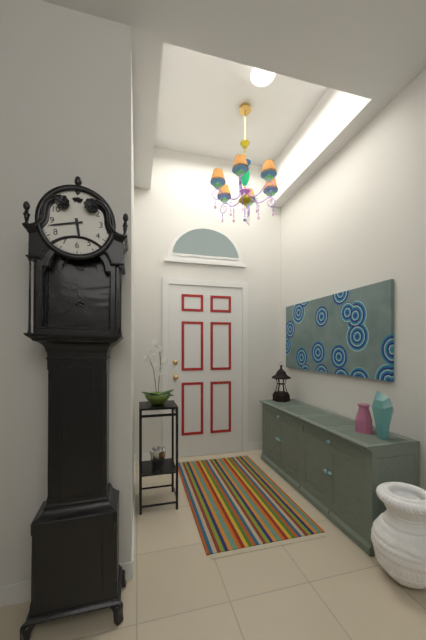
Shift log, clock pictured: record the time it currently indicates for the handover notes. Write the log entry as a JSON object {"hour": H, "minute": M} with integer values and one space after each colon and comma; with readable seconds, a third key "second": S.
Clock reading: {"hour": 5, "minute": 43}
